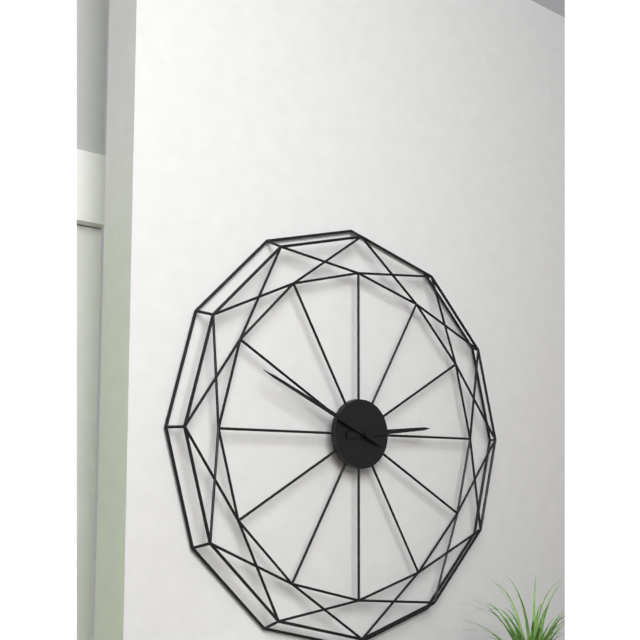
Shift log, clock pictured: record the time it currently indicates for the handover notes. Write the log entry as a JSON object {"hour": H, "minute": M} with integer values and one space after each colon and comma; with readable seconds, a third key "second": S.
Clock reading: {"hour": 2, "minute": 49}
